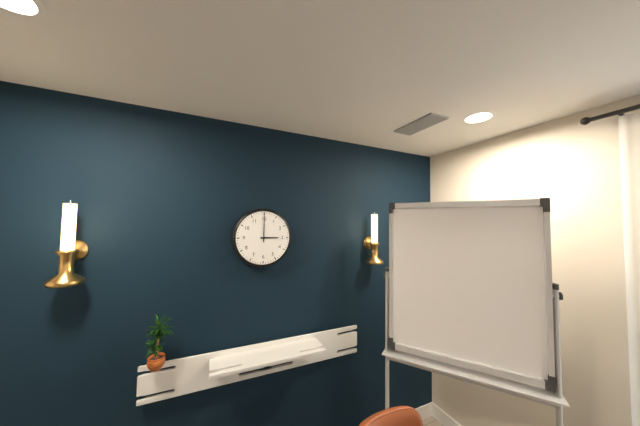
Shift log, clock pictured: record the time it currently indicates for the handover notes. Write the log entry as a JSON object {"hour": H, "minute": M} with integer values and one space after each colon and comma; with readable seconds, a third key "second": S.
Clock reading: {"hour": 3, "minute": 0}
